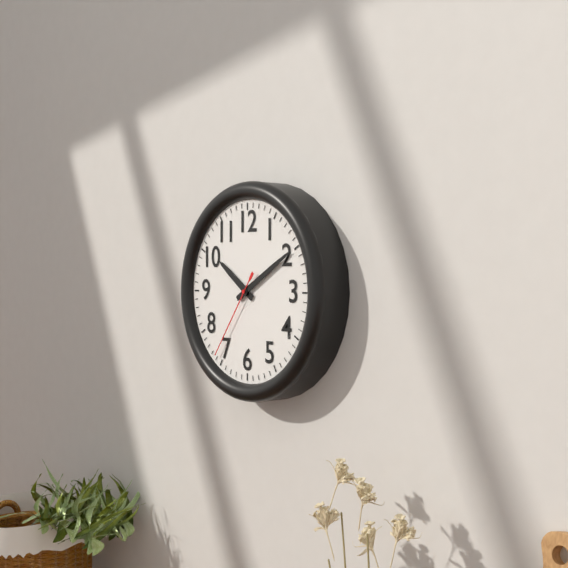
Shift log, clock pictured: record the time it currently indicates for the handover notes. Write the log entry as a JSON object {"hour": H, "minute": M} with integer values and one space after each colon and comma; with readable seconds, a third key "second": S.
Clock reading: {"hour": 10, "minute": 10, "second": 36}
